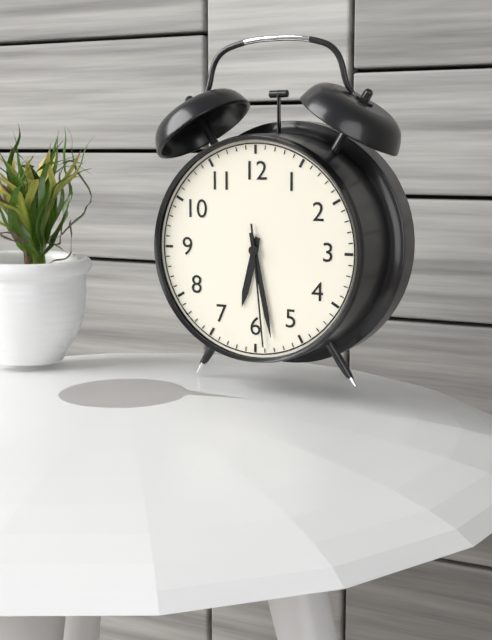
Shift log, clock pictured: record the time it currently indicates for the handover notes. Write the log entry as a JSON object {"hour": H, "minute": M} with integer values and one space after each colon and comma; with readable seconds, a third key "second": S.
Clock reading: {"hour": 6, "minute": 28, "second": 29}
